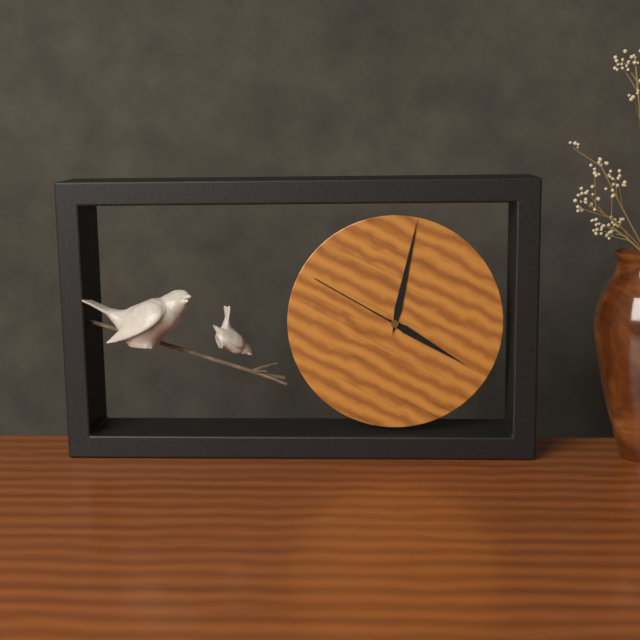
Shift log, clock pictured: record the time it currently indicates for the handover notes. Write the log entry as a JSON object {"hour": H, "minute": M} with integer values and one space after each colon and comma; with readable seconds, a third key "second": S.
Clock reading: {"hour": 4, "minute": 2, "second": 50}
